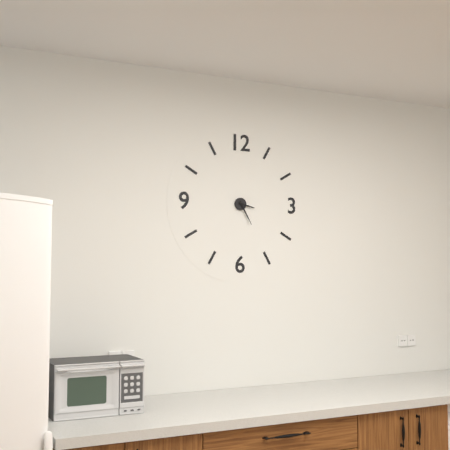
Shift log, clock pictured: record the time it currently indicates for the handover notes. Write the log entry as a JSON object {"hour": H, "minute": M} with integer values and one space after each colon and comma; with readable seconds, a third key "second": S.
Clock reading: {"hour": 3, "minute": 25}
